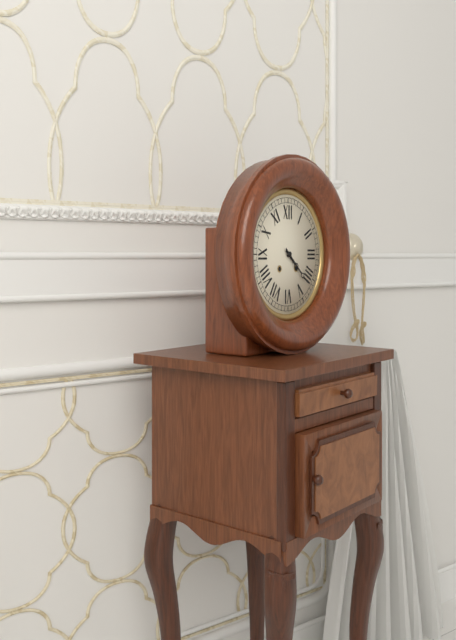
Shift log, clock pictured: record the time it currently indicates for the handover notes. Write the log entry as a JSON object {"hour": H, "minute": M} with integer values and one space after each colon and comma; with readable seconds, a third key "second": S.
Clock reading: {"hour": 4, "minute": 22}
